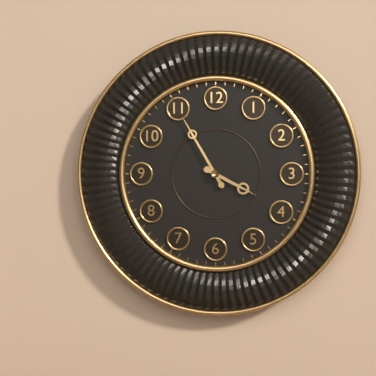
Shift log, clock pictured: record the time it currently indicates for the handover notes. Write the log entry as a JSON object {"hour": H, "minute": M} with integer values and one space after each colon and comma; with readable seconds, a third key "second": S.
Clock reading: {"hour": 3, "minute": 55}
